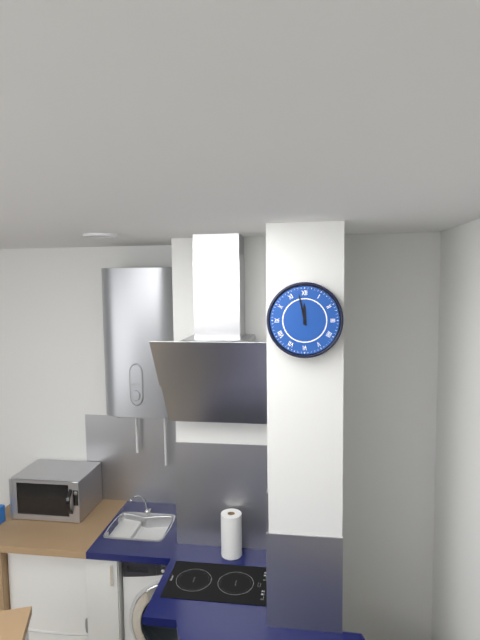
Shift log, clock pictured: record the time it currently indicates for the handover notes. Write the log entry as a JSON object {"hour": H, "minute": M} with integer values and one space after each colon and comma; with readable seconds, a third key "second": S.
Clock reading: {"hour": 11, "minute": 58}
